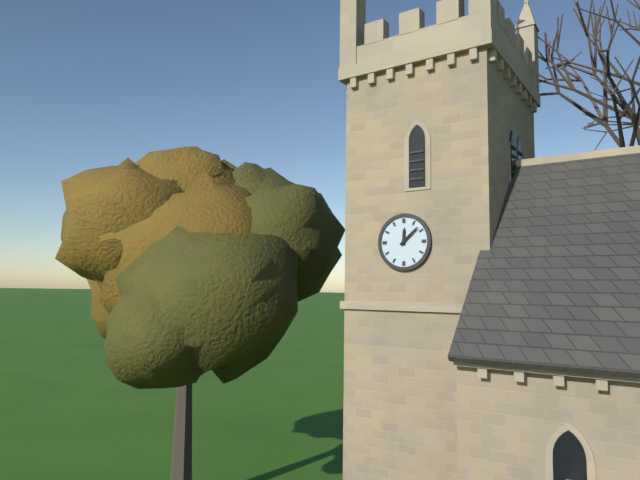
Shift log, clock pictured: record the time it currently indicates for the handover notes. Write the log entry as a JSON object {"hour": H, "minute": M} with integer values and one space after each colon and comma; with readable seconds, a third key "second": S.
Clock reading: {"hour": 12, "minute": 8}
